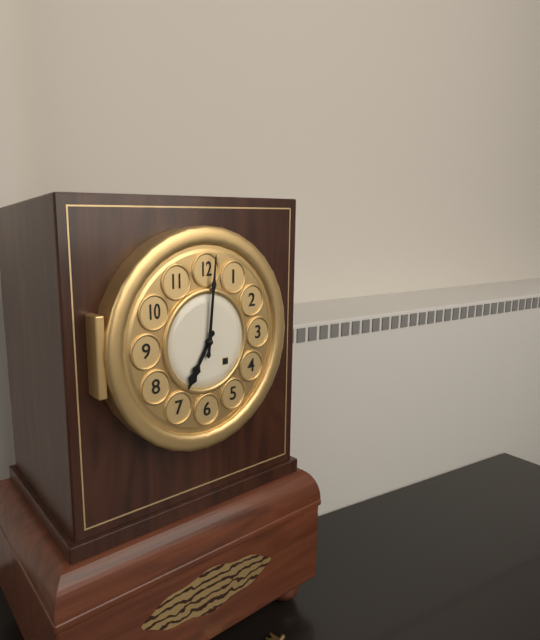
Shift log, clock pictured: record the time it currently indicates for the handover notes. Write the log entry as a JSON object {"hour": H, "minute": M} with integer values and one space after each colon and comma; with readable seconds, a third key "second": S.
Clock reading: {"hour": 7, "minute": 1}
